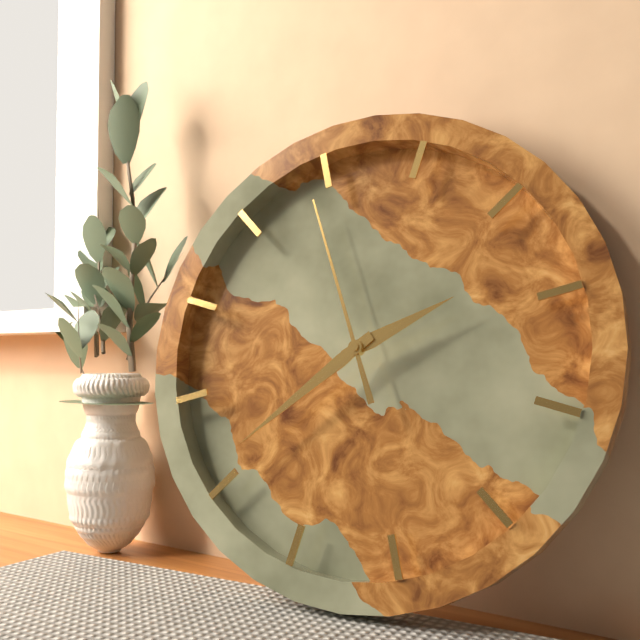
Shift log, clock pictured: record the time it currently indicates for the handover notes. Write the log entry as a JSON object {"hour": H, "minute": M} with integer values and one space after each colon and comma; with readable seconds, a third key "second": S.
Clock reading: {"hour": 1, "minute": 36, "second": 54}
